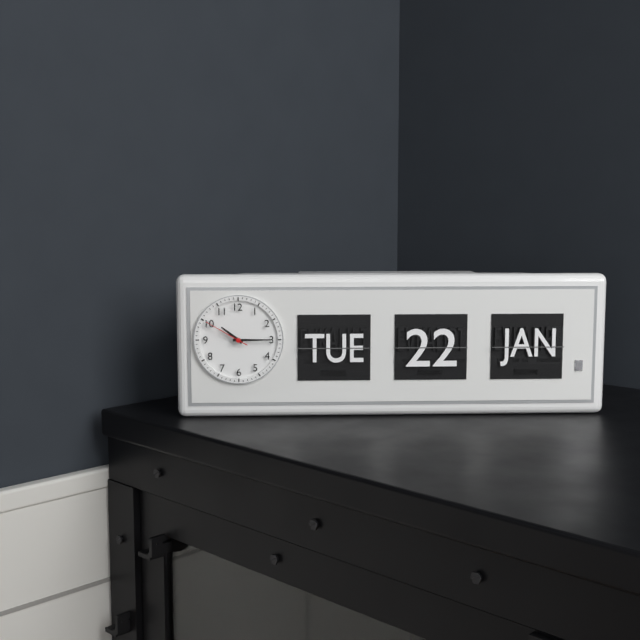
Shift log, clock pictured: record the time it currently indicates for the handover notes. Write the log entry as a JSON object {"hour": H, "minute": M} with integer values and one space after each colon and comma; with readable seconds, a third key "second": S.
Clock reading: {"hour": 10, "minute": 15}
